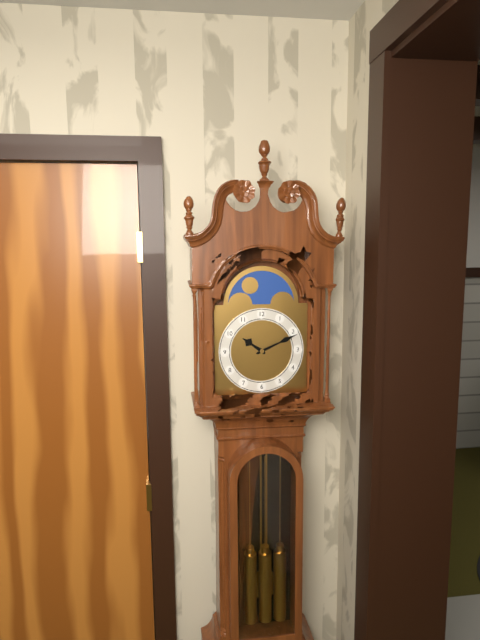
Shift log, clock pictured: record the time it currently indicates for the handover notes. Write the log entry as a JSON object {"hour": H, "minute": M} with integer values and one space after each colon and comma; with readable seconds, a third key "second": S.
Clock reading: {"hour": 10, "minute": 11}
